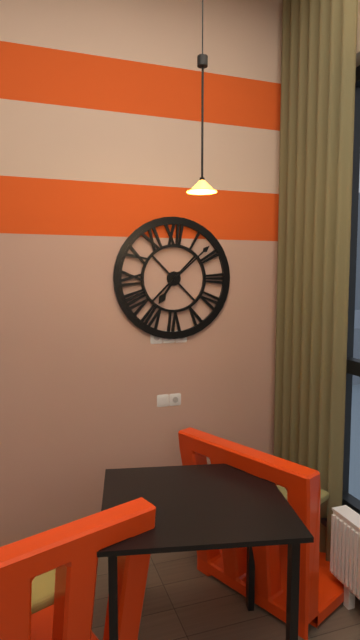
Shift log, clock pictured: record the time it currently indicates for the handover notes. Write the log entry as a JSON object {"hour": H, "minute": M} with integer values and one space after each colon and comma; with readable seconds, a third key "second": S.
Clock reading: {"hour": 7, "minute": 8}
